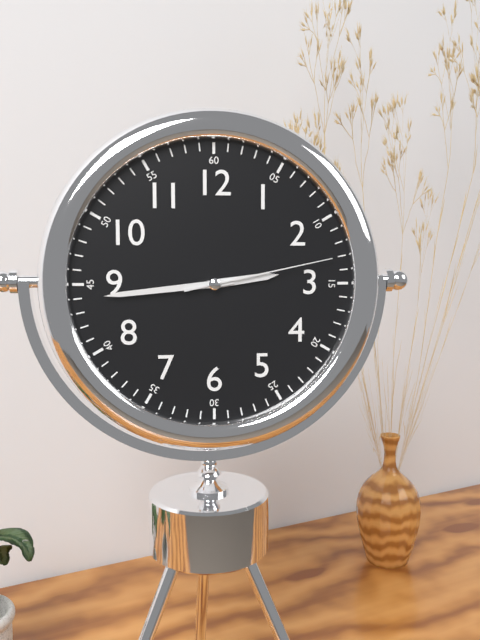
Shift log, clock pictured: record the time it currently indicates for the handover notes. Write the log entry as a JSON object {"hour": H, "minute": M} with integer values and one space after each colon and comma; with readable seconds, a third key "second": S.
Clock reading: {"hour": 2, "minute": 44, "second": 13}
